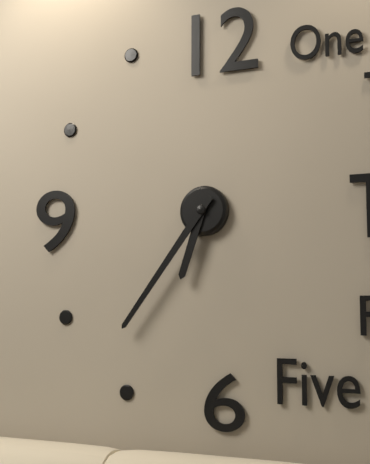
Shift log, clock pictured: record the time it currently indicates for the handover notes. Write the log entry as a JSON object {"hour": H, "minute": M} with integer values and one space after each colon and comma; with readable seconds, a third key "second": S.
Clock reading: {"hour": 6, "minute": 36}
